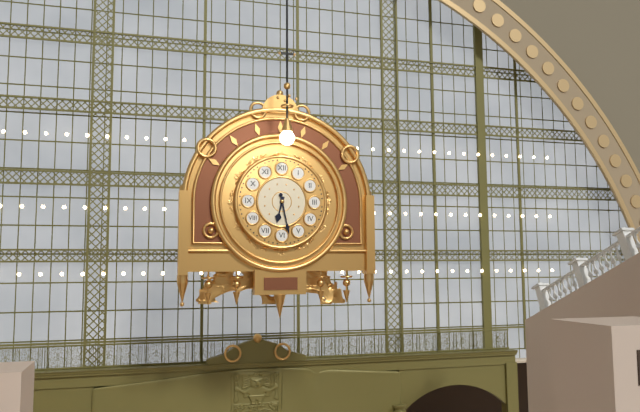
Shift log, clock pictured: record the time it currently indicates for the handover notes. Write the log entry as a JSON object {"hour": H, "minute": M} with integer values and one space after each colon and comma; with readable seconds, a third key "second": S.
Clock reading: {"hour": 6, "minute": 28}
